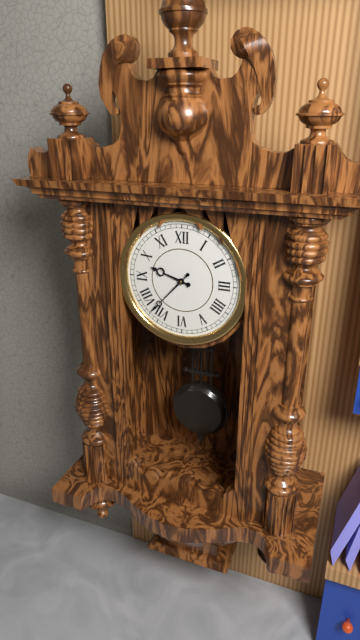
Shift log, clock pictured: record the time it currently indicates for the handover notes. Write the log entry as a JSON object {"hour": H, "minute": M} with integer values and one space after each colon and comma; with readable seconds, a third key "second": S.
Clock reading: {"hour": 9, "minute": 37}
